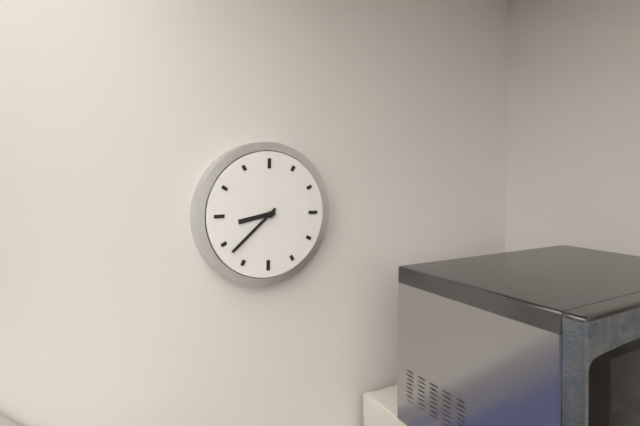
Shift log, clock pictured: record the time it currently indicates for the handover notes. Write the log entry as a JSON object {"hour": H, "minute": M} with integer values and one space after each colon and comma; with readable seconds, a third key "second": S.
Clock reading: {"hour": 8, "minute": 38}
